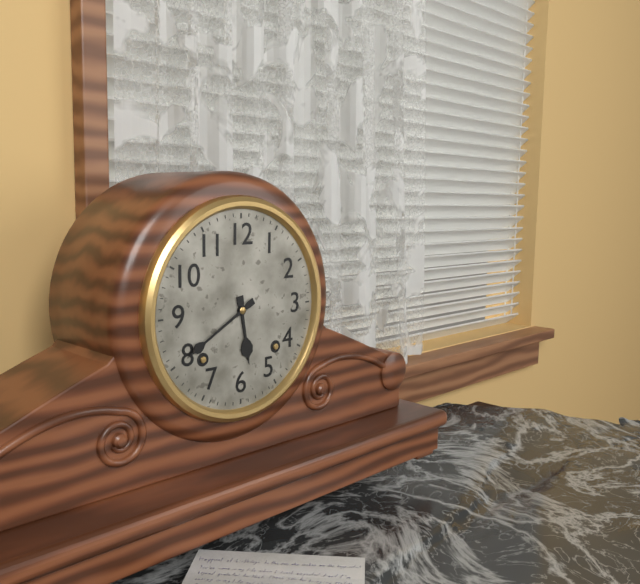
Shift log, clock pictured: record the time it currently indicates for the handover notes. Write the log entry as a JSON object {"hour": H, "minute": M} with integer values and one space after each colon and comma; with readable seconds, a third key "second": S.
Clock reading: {"hour": 5, "minute": 40}
